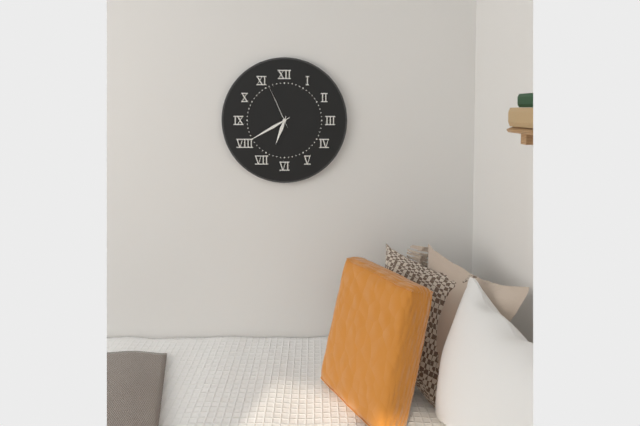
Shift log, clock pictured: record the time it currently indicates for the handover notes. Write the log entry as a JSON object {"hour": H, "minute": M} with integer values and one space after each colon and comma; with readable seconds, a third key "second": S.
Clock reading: {"hour": 6, "minute": 40}
